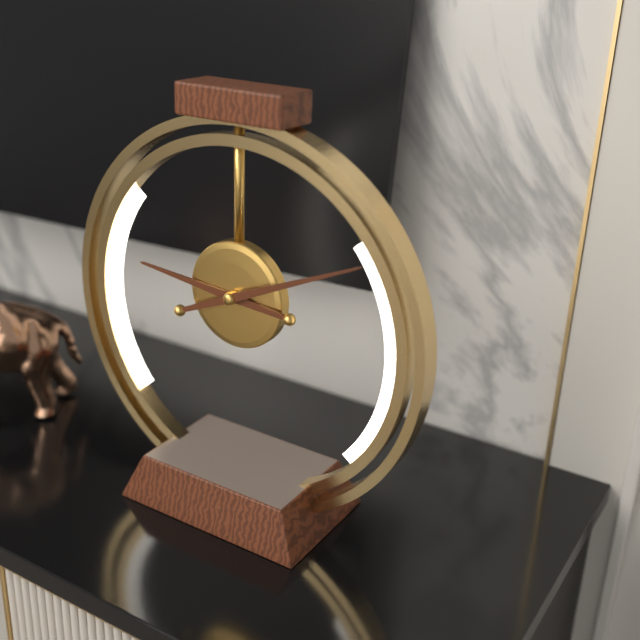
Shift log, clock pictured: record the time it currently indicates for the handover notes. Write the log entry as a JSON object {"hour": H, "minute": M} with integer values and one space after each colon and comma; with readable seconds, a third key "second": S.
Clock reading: {"hour": 9, "minute": 11}
